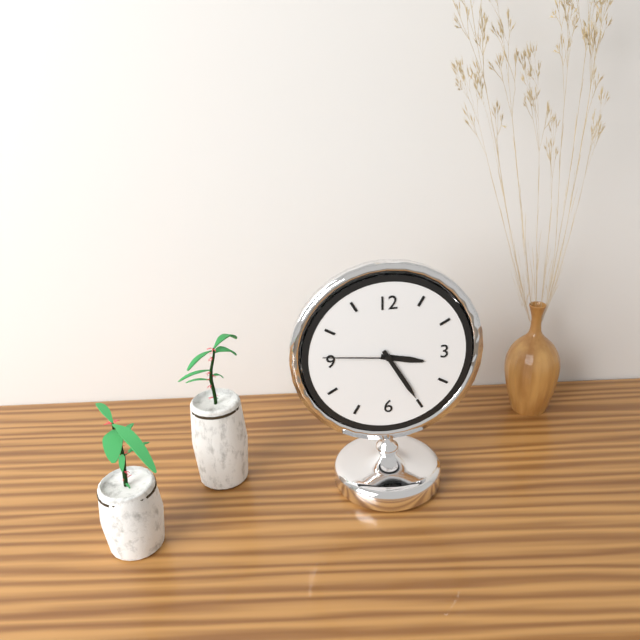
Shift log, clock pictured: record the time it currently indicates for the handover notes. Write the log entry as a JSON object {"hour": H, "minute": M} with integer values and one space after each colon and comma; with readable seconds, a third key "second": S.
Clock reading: {"hour": 3, "minute": 25, "second": 46}
